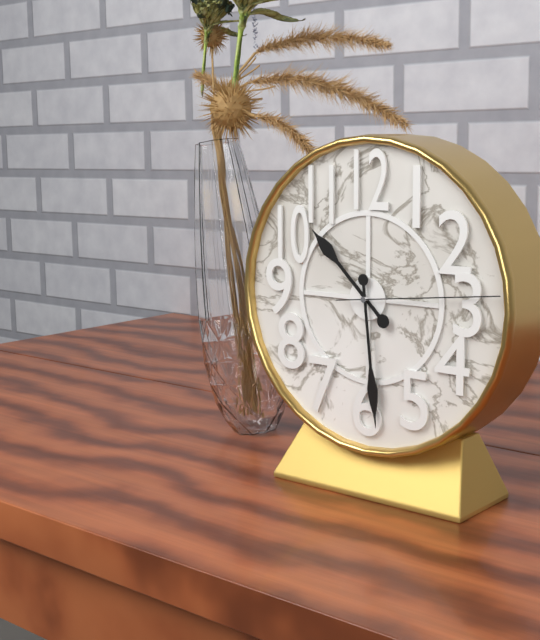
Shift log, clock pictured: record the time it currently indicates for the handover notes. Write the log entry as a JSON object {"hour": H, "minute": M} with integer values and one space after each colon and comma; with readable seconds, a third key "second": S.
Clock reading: {"hour": 10, "minute": 29, "second": 14}
